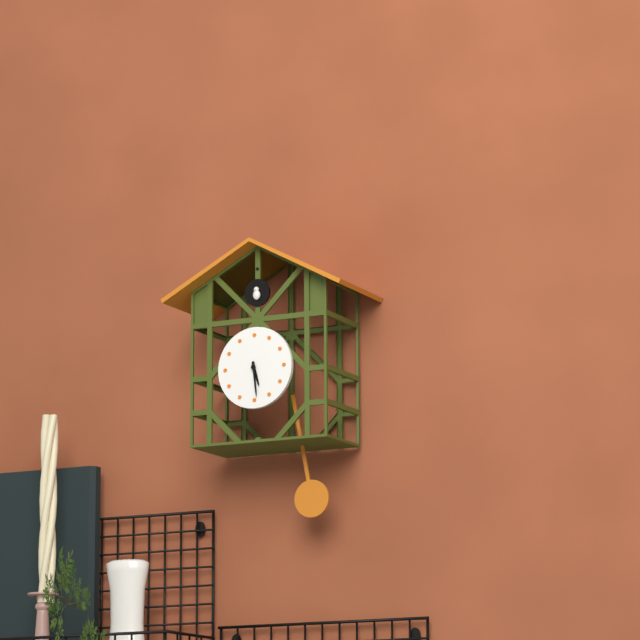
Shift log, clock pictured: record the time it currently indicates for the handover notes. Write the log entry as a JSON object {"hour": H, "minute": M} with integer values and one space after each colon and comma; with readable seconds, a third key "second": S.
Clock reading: {"hour": 5, "minute": 29}
